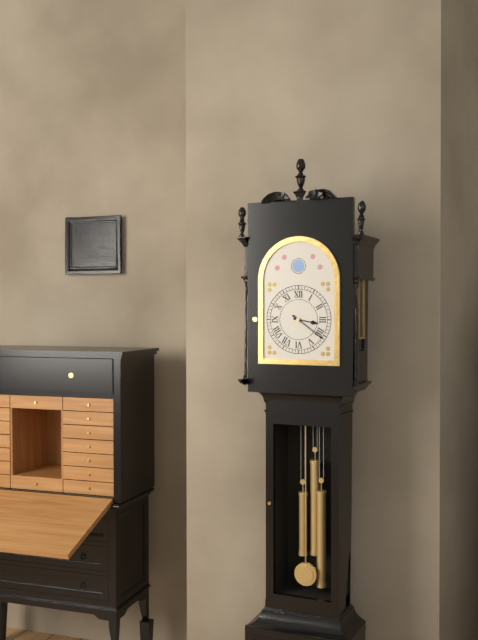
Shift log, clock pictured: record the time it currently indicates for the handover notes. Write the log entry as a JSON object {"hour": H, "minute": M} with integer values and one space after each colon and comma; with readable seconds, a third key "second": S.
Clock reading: {"hour": 3, "minute": 21}
